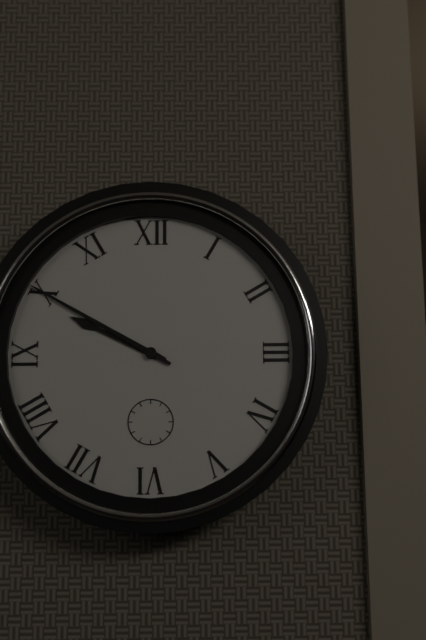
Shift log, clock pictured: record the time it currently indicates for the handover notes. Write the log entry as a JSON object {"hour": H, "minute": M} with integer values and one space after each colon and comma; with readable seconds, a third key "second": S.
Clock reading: {"hour": 9, "minute": 50}
